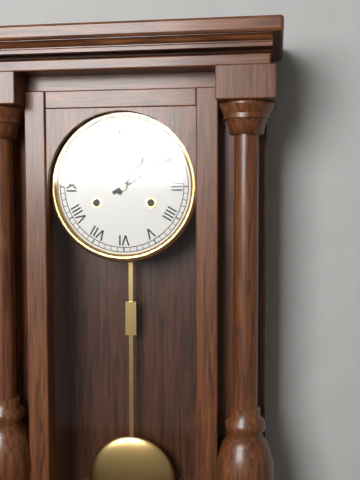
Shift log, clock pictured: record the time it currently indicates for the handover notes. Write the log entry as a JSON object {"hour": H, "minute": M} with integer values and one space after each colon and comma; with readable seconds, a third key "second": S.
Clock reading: {"hour": 1, "minute": 10}
